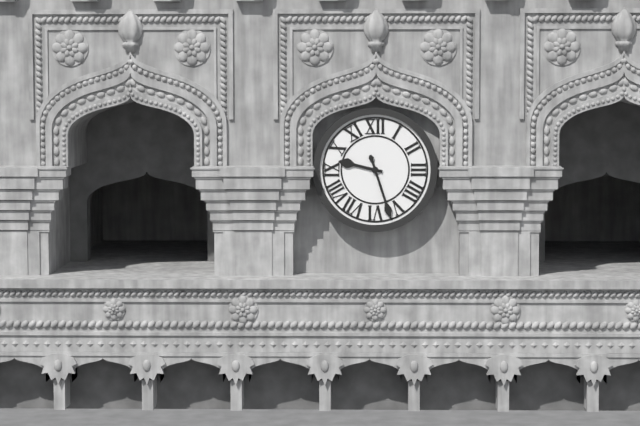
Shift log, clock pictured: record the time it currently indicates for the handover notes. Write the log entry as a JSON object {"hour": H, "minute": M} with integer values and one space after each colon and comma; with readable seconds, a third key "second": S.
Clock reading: {"hour": 9, "minute": 27}
